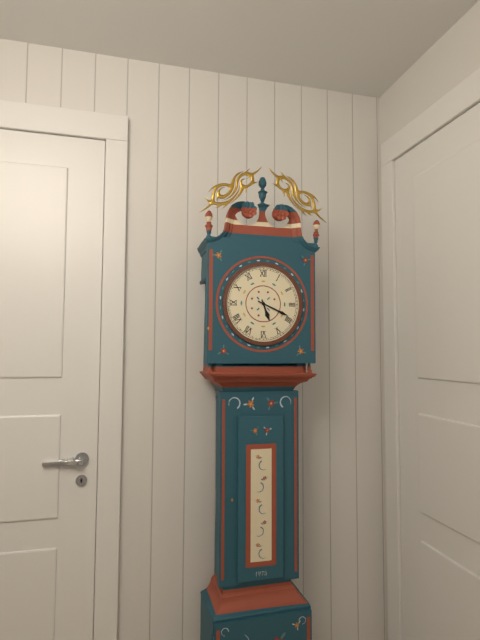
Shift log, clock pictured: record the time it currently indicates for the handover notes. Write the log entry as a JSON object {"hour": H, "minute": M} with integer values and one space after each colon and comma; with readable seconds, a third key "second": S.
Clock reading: {"hour": 5, "minute": 19}
